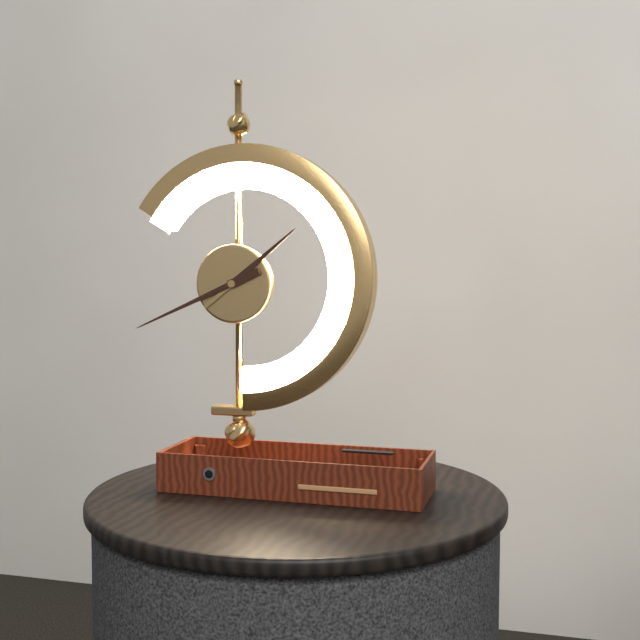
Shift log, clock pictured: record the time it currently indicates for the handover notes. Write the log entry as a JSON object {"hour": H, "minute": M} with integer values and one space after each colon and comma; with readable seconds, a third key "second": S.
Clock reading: {"hour": 1, "minute": 41}
